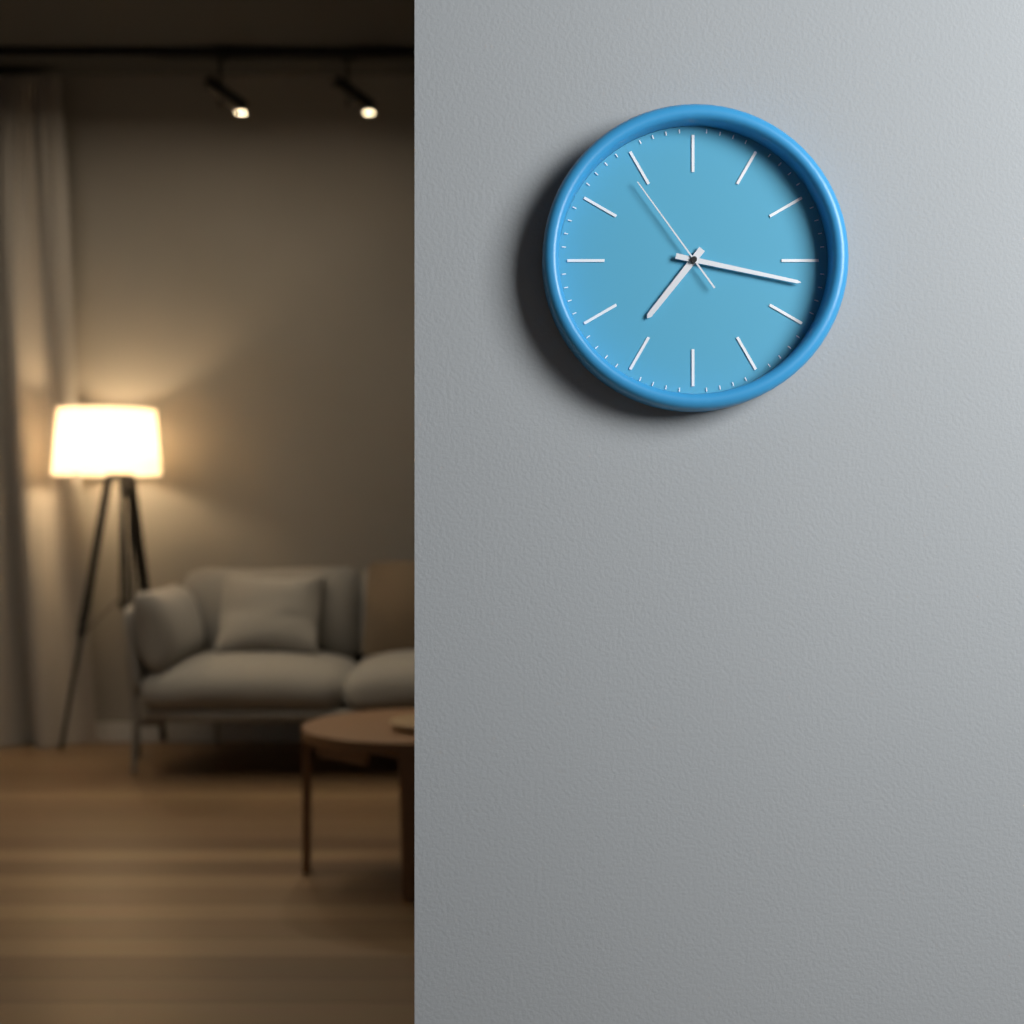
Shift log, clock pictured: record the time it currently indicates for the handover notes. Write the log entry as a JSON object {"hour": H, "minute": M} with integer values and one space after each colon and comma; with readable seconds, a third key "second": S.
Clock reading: {"hour": 7, "minute": 17, "second": 54}
